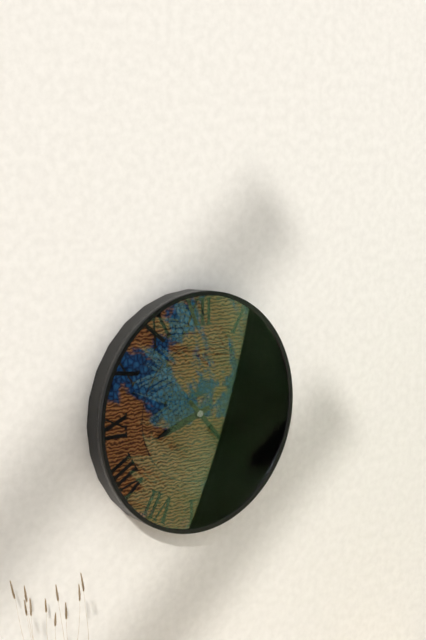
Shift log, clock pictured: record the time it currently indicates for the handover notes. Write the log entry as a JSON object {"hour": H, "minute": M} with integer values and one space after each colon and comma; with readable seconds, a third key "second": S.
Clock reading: {"hour": 8, "minute": 23}
